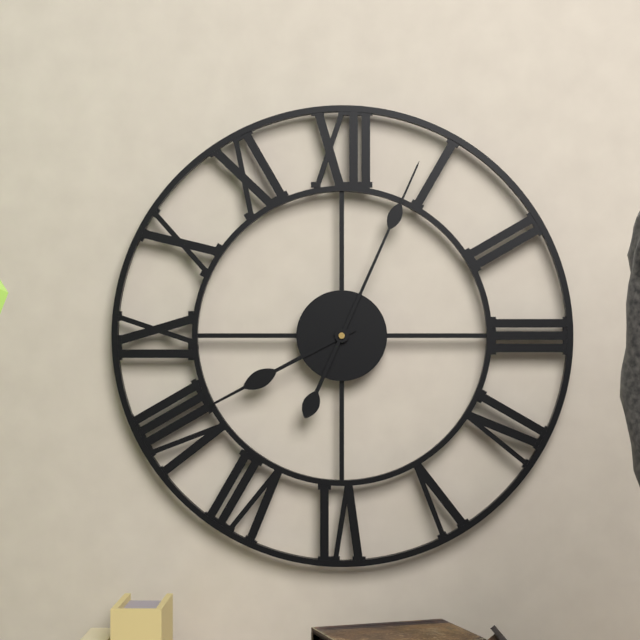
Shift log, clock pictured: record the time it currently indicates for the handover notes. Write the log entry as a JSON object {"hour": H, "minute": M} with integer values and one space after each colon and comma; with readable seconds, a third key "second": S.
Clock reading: {"hour": 8, "minute": 4}
